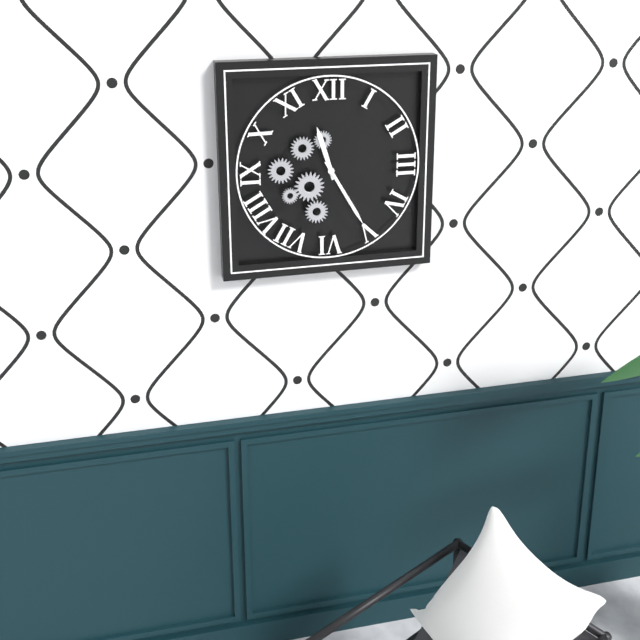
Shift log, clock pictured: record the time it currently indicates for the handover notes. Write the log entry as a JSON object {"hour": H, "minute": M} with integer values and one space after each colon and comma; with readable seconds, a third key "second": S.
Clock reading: {"hour": 11, "minute": 25}
